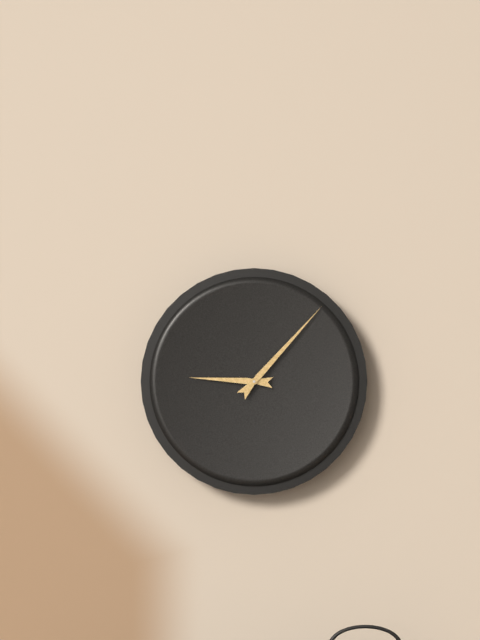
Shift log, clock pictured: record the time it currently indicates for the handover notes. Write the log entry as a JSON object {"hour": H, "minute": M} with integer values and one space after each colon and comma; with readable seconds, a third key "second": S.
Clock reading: {"hour": 9, "minute": 7}
